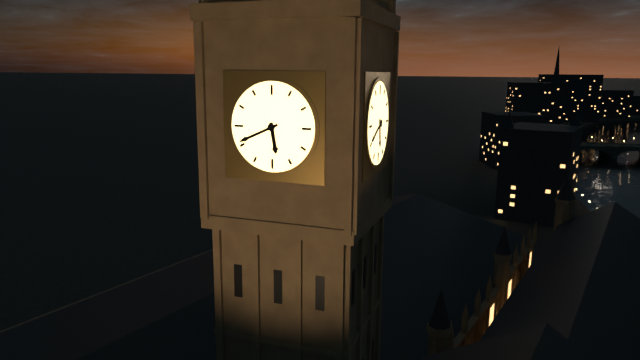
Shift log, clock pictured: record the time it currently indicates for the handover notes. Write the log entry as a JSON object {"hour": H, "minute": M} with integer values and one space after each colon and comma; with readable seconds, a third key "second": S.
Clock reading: {"hour": 5, "minute": 41}
